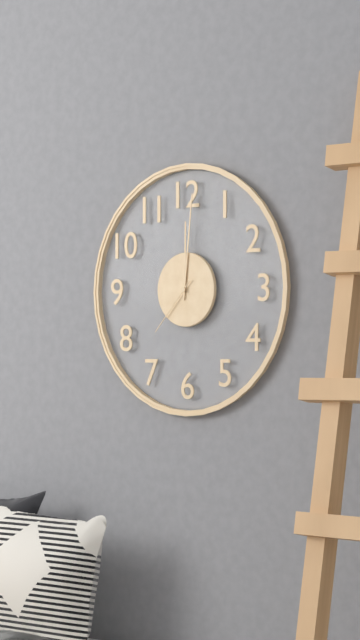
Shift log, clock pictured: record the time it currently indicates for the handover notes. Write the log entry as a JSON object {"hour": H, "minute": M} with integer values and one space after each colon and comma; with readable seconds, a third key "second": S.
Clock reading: {"hour": 12, "minute": 1, "second": 37}
